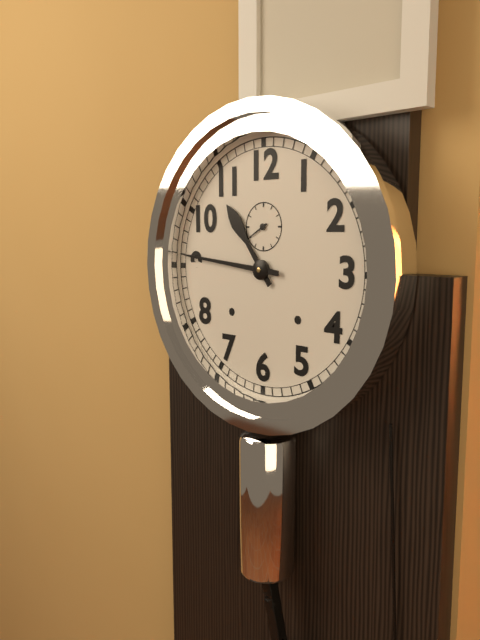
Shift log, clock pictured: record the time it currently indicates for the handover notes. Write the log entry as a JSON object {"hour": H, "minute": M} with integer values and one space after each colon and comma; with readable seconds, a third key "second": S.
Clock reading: {"hour": 10, "minute": 46}
